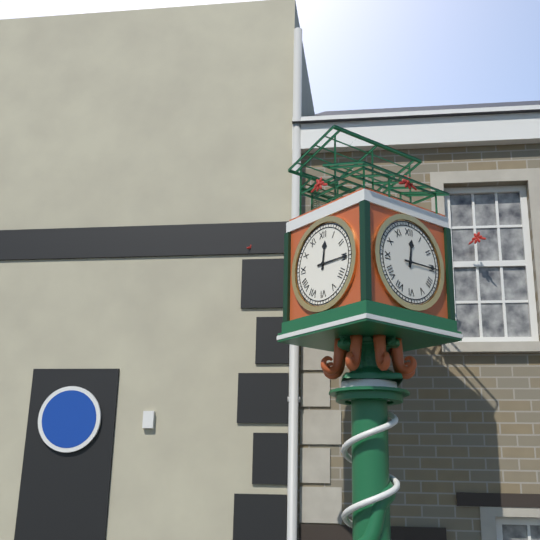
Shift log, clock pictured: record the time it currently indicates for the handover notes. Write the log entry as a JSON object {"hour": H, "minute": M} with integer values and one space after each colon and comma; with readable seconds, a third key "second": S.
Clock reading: {"hour": 12, "minute": 15}
